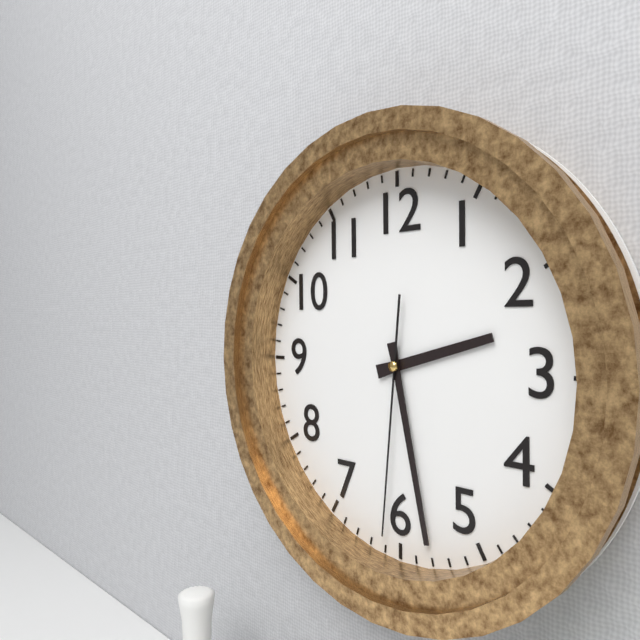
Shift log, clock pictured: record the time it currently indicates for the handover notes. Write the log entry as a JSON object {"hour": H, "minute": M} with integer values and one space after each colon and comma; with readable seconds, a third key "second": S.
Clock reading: {"hour": 2, "minute": 28, "second": 31}
